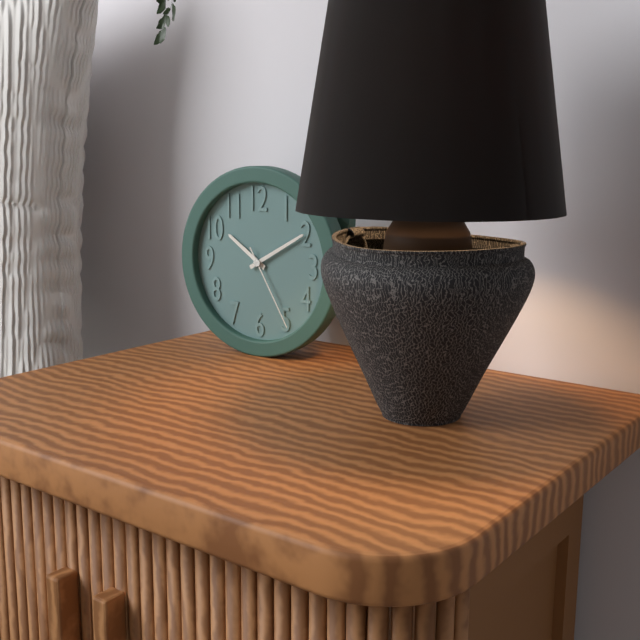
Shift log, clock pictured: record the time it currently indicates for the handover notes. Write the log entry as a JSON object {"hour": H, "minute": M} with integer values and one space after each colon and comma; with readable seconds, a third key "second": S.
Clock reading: {"hour": 10, "minute": 10, "second": 25}
